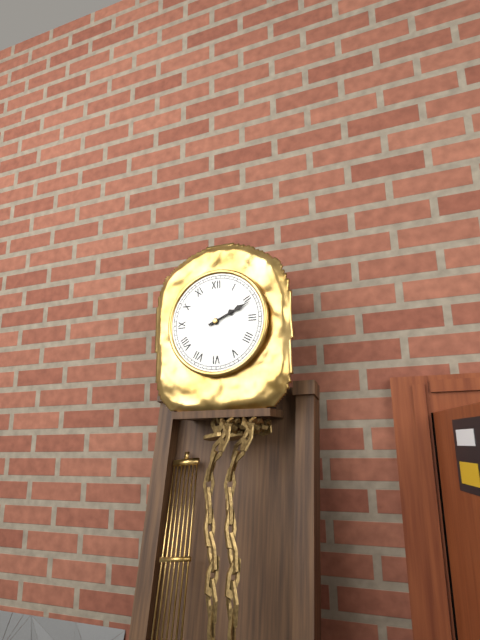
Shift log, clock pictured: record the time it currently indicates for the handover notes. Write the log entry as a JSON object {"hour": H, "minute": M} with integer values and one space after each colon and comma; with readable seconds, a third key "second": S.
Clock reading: {"hour": 2, "minute": 11}
